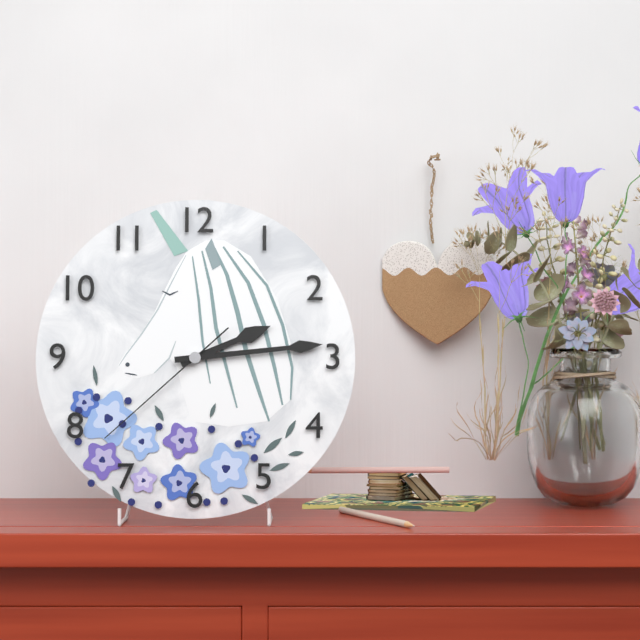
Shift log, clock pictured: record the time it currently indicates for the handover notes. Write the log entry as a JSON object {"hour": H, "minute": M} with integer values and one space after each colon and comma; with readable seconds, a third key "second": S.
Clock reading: {"hour": 2, "minute": 14, "second": 38}
